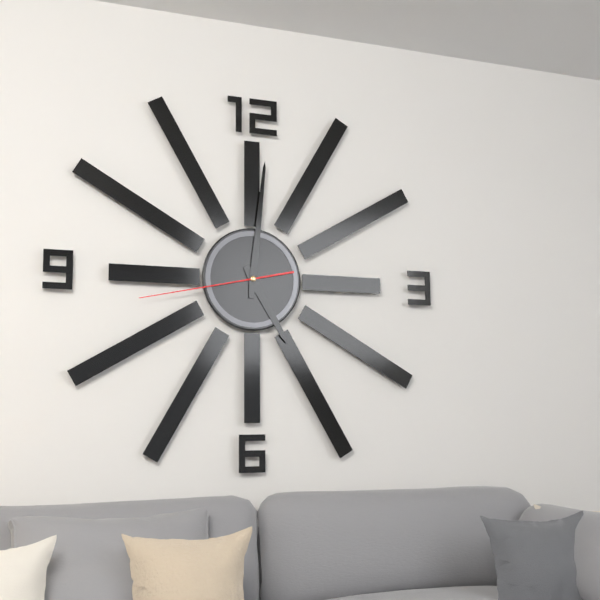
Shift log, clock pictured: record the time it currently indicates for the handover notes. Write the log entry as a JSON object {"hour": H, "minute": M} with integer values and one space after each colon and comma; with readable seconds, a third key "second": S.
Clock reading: {"hour": 5, "minute": 1, "second": 43}
